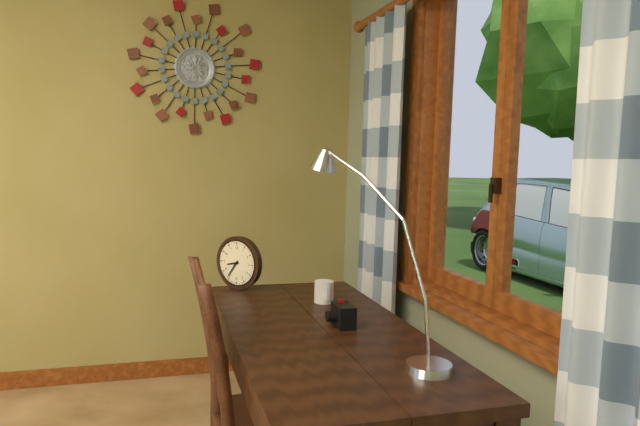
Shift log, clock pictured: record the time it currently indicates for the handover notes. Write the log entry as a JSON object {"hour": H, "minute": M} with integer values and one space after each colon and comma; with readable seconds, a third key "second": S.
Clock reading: {"hour": 8, "minute": 36}
